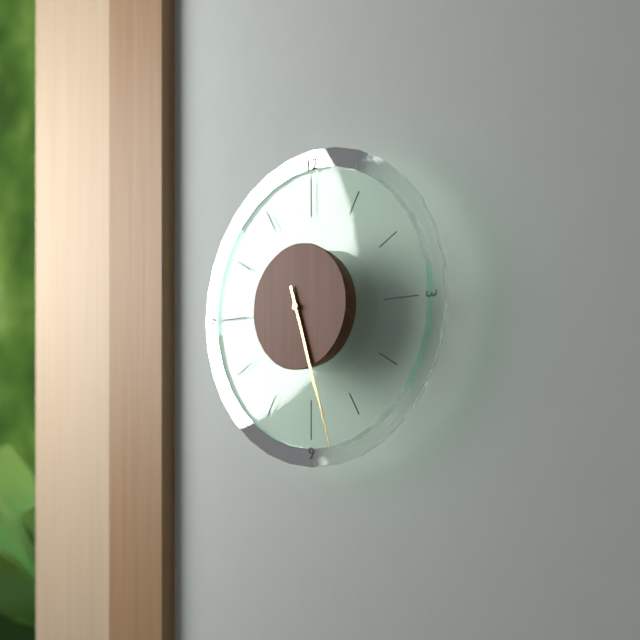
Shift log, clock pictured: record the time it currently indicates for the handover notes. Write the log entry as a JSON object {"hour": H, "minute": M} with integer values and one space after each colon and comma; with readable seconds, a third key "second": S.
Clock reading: {"hour": 5, "minute": 27}
